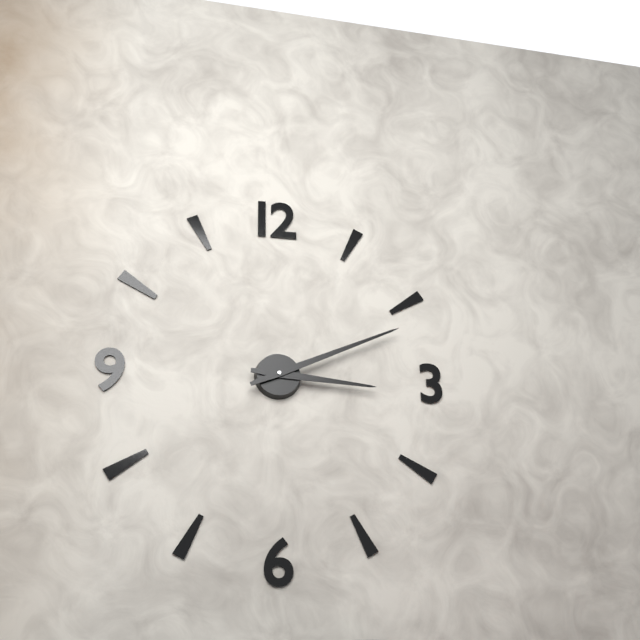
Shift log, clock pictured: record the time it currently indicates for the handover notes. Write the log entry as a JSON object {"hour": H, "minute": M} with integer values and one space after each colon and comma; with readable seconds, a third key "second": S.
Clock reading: {"hour": 3, "minute": 11}
